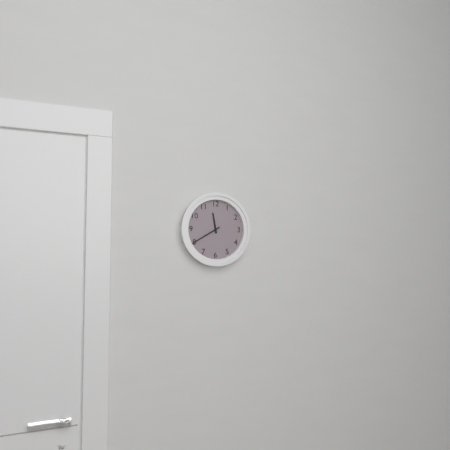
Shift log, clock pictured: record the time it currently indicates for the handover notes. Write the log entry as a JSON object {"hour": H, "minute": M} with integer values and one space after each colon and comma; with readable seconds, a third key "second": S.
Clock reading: {"hour": 11, "minute": 40}
